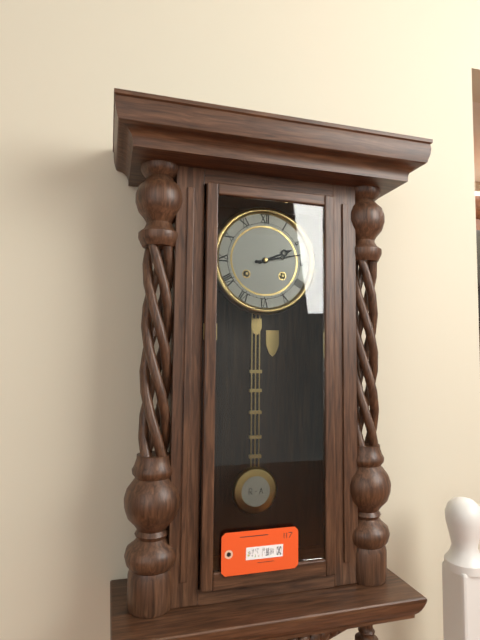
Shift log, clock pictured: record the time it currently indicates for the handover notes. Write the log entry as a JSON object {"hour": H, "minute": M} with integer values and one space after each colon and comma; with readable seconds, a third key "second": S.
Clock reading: {"hour": 2, "minute": 13}
